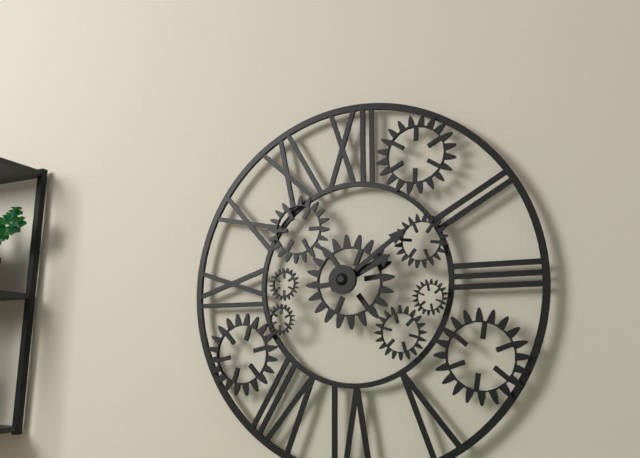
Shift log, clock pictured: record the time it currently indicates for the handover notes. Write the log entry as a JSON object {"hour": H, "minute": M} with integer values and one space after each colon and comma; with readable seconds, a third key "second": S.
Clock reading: {"hour": 2, "minute": 9}
